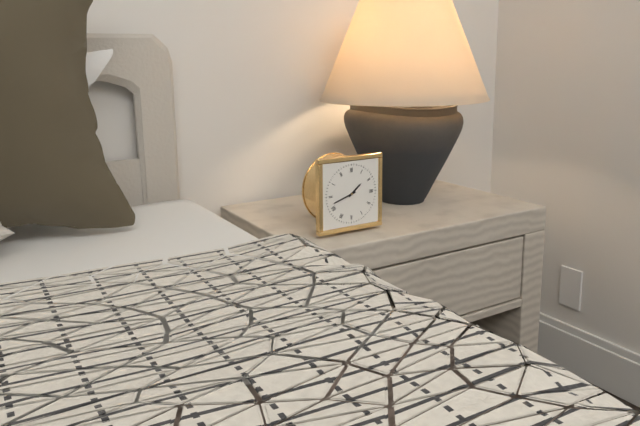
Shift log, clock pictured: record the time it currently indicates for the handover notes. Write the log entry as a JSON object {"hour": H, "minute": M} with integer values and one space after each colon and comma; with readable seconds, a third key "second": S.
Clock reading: {"hour": 1, "minute": 42}
